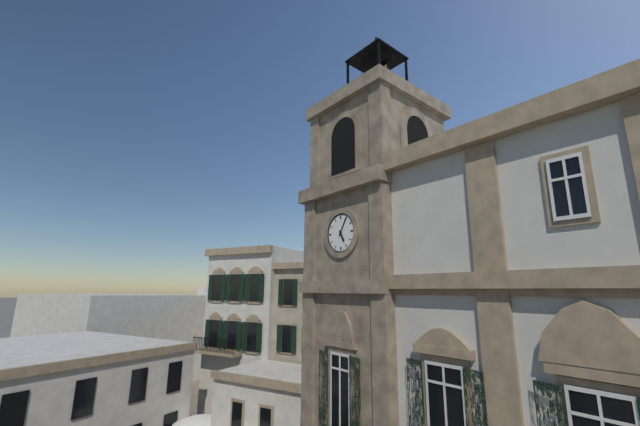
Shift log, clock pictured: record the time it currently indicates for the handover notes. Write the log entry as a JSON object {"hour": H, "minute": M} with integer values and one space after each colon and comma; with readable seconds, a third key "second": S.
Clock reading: {"hour": 5, "minute": 5}
